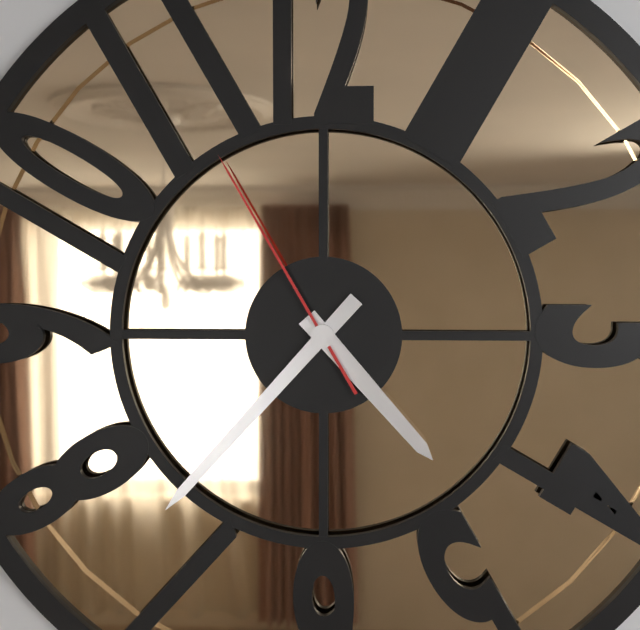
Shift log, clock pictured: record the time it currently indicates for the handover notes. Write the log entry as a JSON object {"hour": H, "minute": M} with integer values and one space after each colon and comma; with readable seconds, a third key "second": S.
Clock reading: {"hour": 4, "minute": 37, "second": 55}
